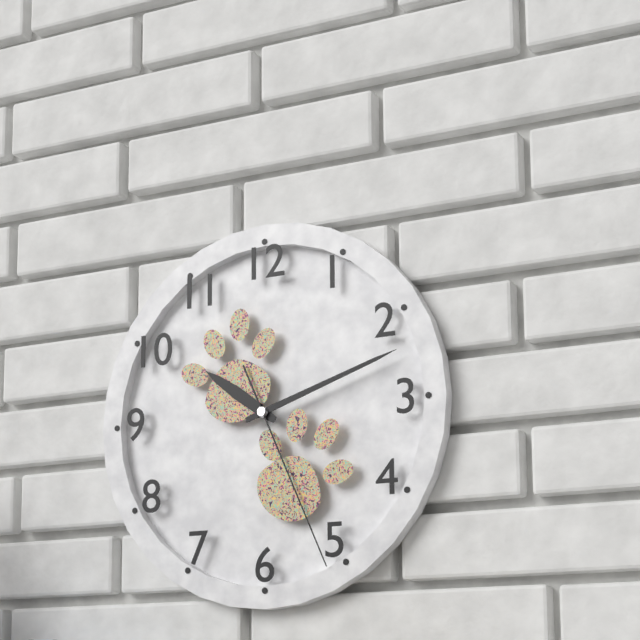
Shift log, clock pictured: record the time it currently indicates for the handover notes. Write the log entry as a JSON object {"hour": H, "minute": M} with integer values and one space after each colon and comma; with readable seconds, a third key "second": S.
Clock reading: {"hour": 10, "minute": 12, "second": 26}
